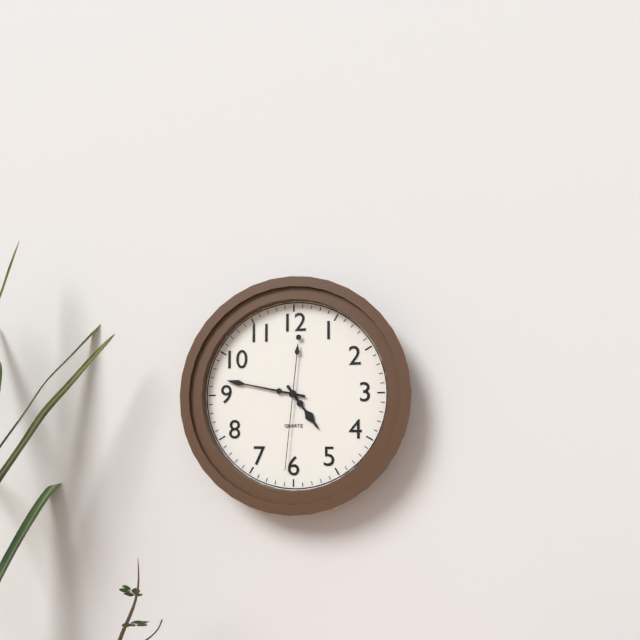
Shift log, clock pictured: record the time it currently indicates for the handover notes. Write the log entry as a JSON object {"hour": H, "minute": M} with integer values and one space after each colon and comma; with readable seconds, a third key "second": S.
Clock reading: {"hour": 4, "minute": 47, "second": 31}
